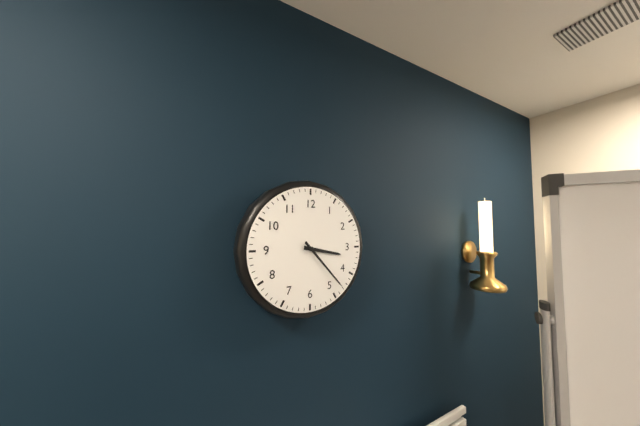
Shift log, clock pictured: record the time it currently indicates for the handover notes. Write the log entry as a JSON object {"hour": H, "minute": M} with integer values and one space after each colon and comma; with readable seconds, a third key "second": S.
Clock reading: {"hour": 3, "minute": 23}
